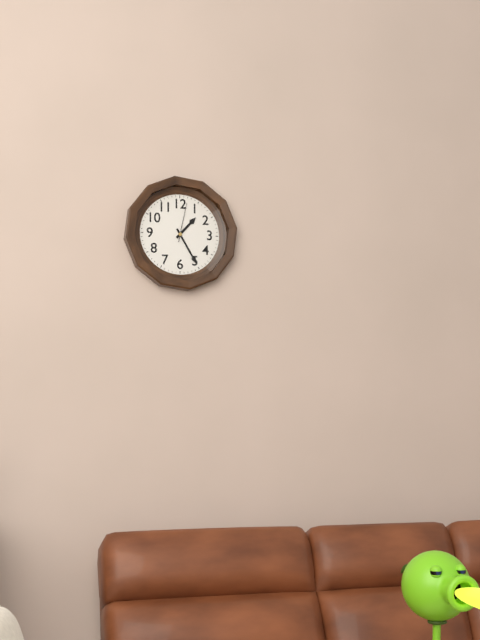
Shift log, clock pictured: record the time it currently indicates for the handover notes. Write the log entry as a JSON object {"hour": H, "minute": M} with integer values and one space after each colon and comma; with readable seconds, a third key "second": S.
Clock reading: {"hour": 1, "minute": 25}
